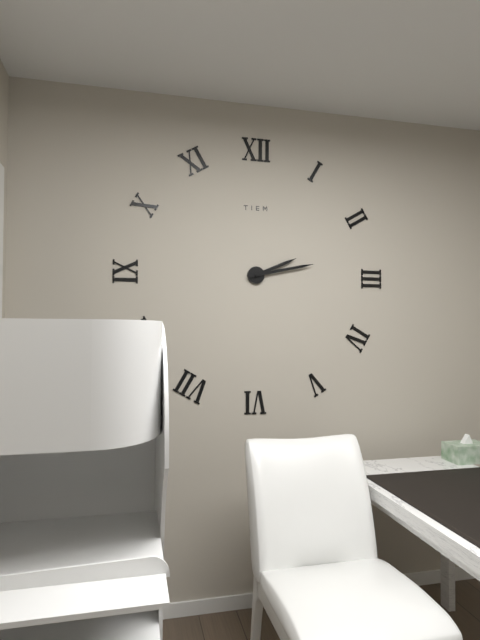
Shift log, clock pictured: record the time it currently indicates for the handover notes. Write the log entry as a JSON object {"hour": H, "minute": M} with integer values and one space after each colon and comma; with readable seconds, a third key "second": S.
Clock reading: {"hour": 2, "minute": 13}
